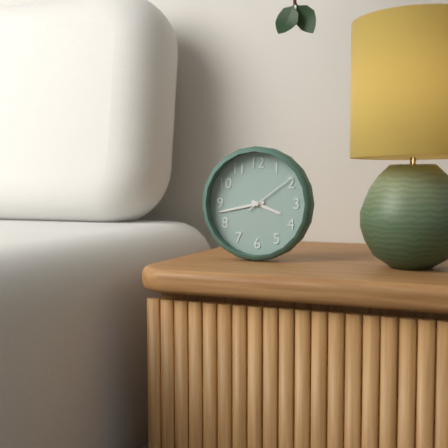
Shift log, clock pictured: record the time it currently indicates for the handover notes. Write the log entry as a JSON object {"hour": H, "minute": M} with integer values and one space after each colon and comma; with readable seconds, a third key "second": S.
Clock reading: {"hour": 3, "minute": 43, "second": 9}
